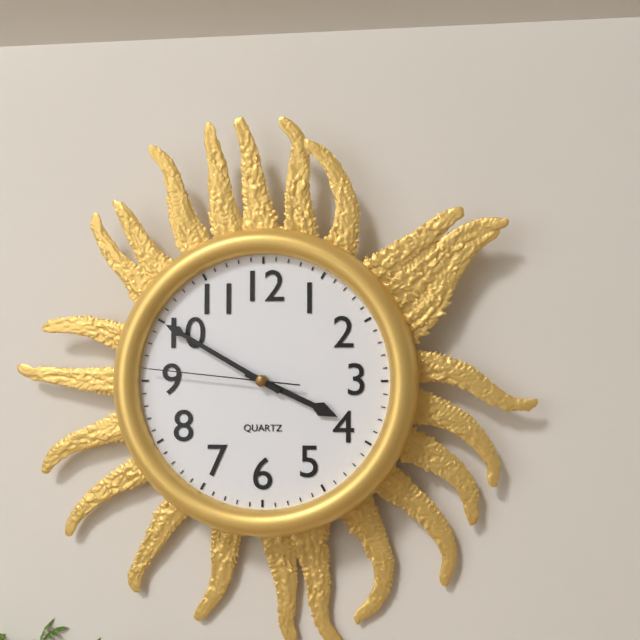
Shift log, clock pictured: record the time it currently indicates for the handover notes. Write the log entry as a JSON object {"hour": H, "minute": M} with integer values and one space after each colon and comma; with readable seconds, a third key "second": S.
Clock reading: {"hour": 3, "minute": 50, "second": 46}
